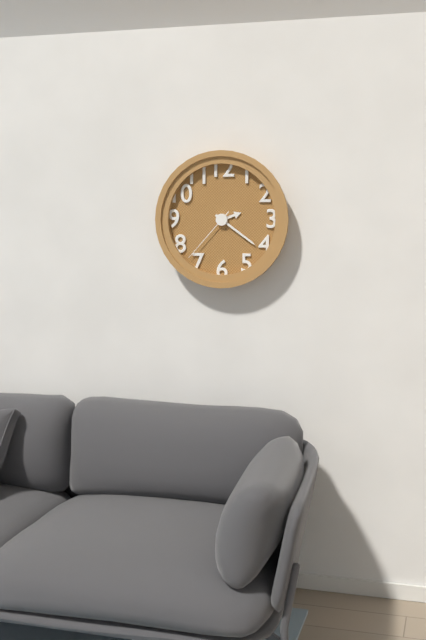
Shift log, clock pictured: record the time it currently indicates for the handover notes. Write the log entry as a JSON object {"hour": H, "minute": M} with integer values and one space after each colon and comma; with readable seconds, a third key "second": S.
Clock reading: {"hour": 2, "minute": 21, "second": 37}
